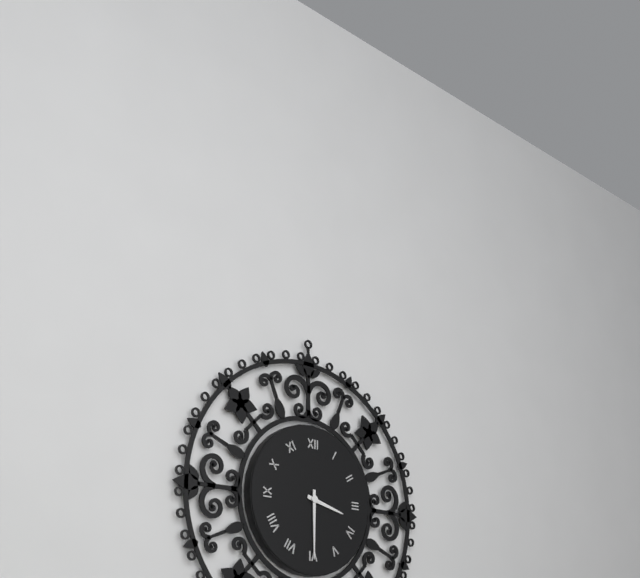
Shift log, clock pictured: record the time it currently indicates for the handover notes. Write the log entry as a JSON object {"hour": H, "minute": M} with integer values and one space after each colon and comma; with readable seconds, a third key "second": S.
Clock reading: {"hour": 3, "minute": 30}
